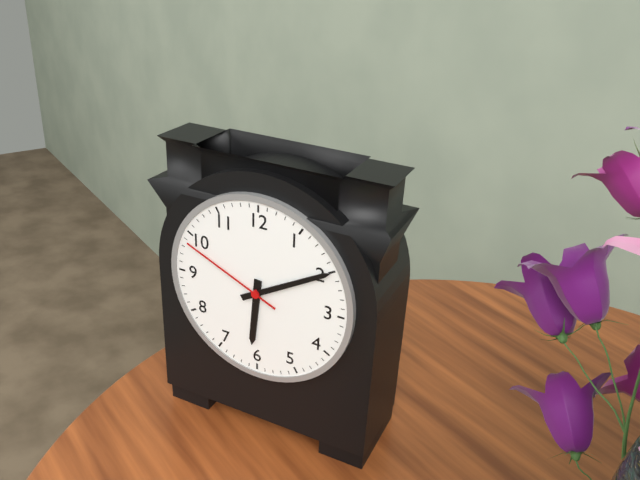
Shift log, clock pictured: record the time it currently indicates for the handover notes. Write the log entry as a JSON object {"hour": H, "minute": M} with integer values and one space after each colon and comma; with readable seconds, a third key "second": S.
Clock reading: {"hour": 6, "minute": 10, "second": 49}
